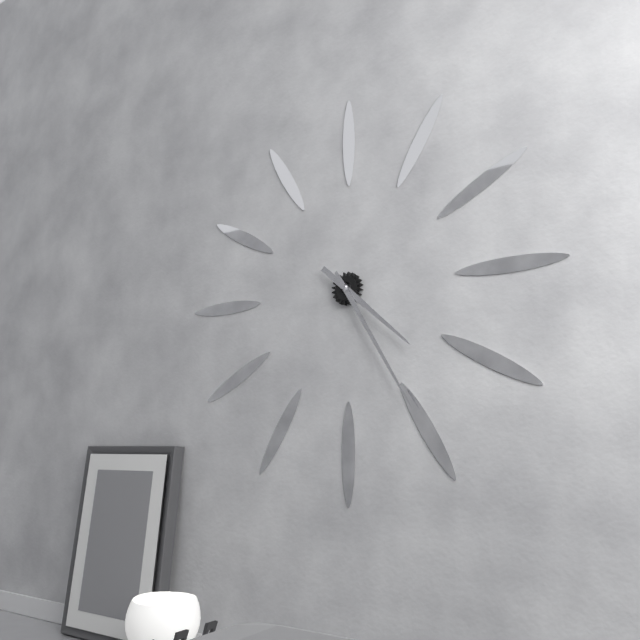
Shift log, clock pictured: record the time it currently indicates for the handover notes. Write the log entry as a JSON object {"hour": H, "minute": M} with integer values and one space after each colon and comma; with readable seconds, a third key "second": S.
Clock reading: {"hour": 4, "minute": 25}
